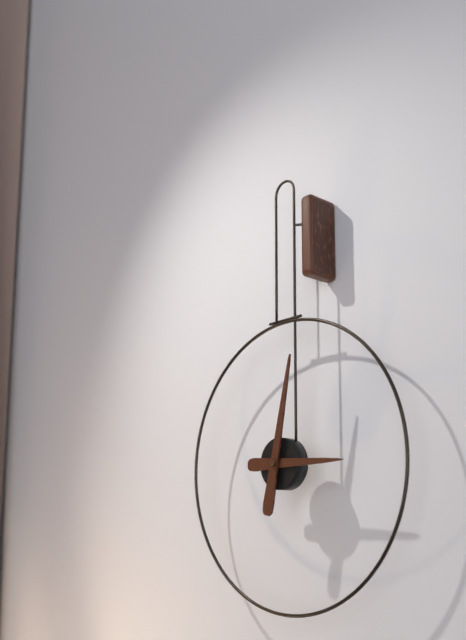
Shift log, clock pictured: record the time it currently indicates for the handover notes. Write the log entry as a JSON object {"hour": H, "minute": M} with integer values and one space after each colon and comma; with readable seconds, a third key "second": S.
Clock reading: {"hour": 3, "minute": 2}
